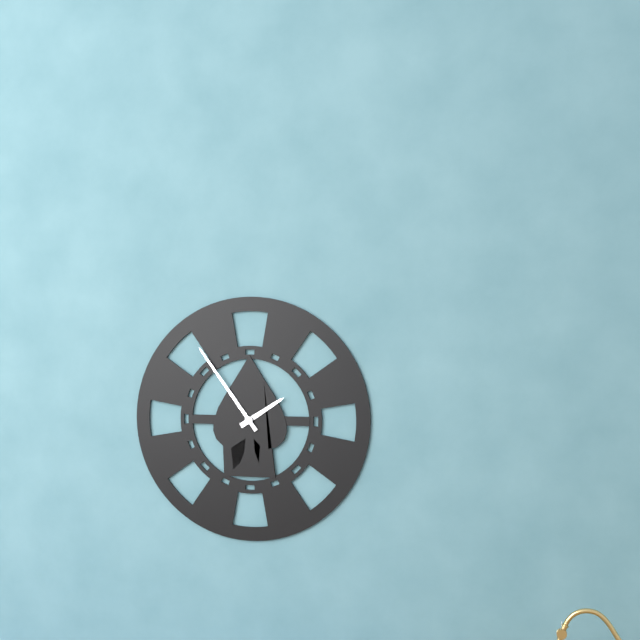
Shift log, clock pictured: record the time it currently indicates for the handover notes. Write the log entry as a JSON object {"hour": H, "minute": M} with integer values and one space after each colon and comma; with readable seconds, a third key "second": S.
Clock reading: {"hour": 1, "minute": 54}
